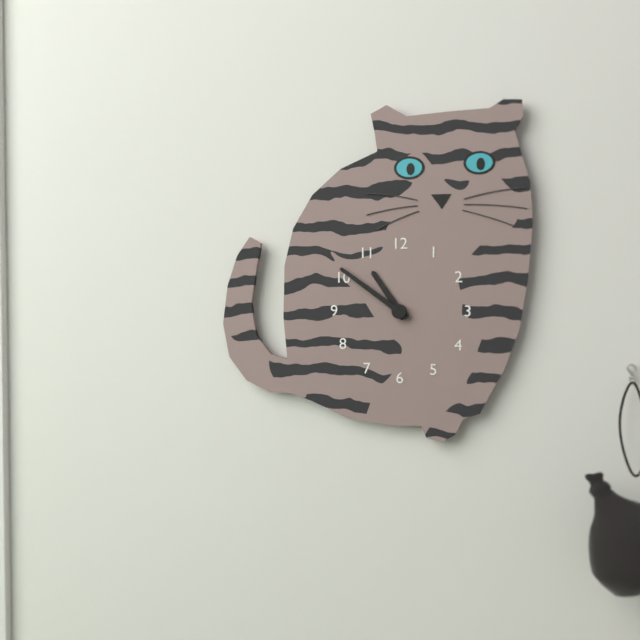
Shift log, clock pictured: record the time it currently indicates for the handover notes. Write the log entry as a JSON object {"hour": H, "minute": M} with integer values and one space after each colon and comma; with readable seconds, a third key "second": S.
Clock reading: {"hour": 10, "minute": 51}
